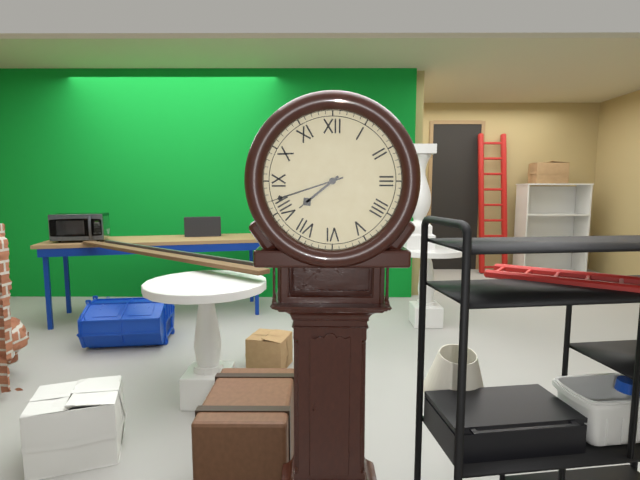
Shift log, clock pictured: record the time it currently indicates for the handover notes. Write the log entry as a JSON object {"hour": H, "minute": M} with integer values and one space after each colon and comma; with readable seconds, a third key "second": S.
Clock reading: {"hour": 7, "minute": 42}
